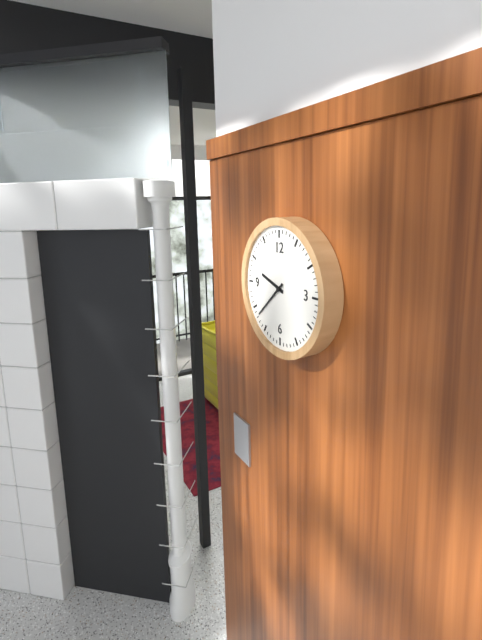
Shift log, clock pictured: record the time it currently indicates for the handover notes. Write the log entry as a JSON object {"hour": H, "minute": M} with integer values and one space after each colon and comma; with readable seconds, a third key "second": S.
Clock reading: {"hour": 9, "minute": 38}
